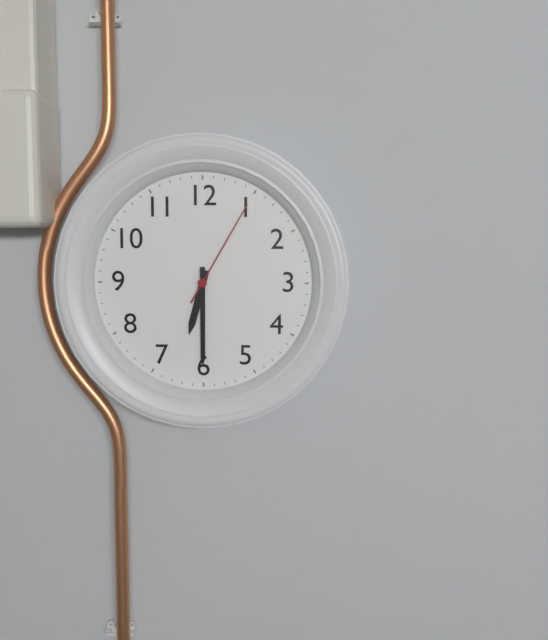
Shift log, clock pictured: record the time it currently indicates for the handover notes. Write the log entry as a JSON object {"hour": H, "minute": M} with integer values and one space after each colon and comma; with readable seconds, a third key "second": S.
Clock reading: {"hour": 6, "minute": 30, "second": 5}
